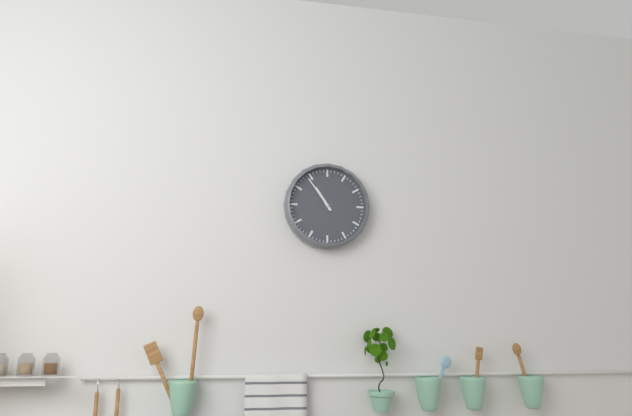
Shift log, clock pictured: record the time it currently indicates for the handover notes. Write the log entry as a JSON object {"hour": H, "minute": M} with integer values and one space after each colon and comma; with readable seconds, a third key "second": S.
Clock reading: {"hour": 10, "minute": 54}
